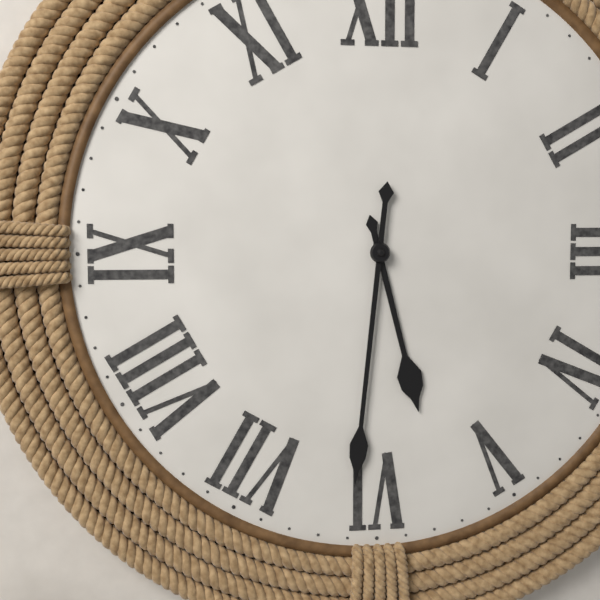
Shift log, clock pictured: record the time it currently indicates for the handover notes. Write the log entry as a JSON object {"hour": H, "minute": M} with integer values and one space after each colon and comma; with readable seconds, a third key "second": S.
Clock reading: {"hour": 5, "minute": 31}
